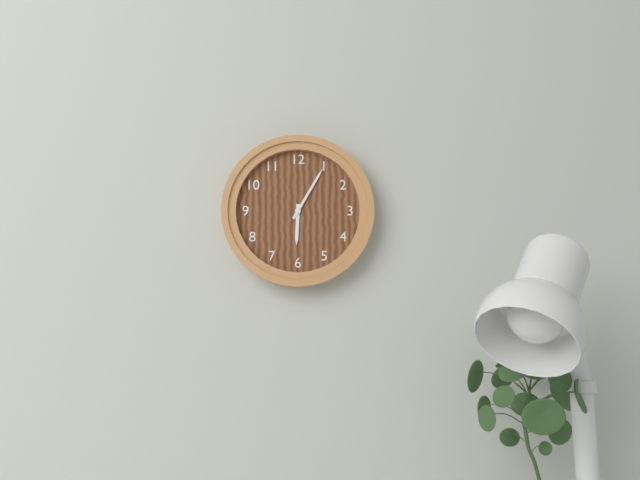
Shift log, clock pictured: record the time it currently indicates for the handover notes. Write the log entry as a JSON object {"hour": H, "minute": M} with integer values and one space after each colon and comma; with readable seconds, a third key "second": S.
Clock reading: {"hour": 6, "minute": 5}
